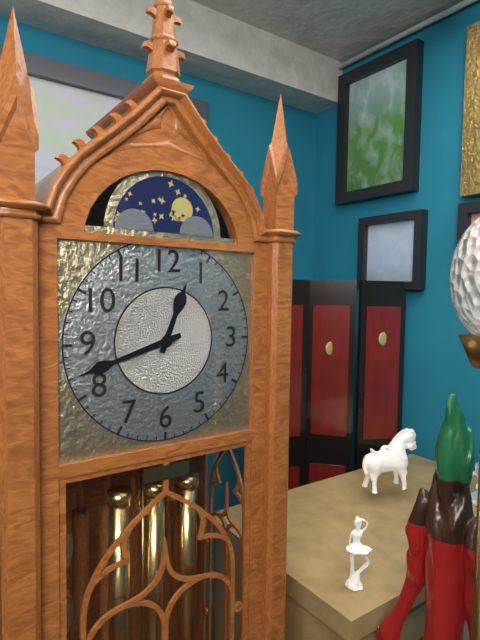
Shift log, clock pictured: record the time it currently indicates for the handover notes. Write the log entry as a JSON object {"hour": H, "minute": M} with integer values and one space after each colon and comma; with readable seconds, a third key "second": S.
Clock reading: {"hour": 12, "minute": 42}
